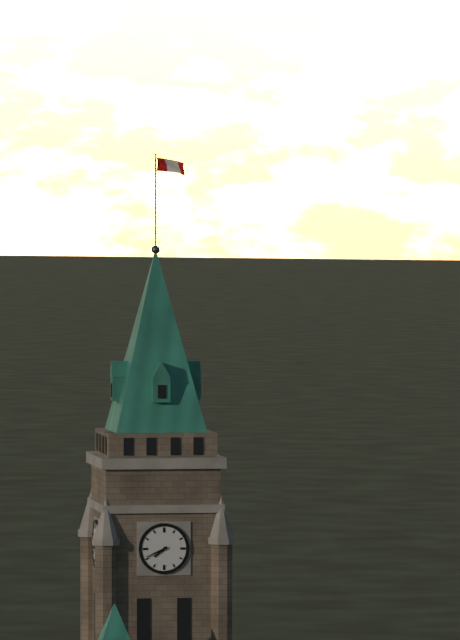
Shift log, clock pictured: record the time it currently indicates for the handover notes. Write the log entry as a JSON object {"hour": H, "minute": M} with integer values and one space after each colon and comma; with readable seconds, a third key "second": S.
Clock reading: {"hour": 7, "minute": 41}
